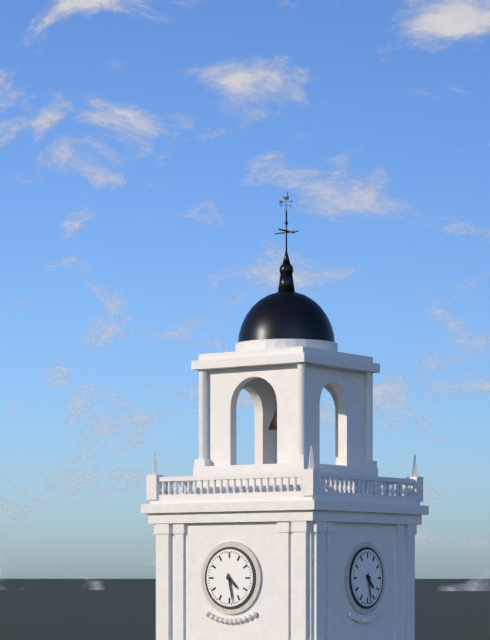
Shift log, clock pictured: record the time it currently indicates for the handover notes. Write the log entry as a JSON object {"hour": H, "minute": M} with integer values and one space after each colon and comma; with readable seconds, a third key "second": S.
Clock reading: {"hour": 4, "minute": 28}
